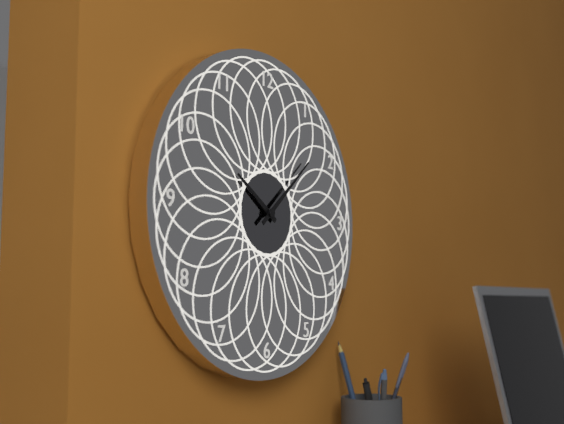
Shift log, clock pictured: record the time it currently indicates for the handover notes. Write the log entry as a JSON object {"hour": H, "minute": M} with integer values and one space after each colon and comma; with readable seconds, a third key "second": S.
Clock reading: {"hour": 10, "minute": 8}
